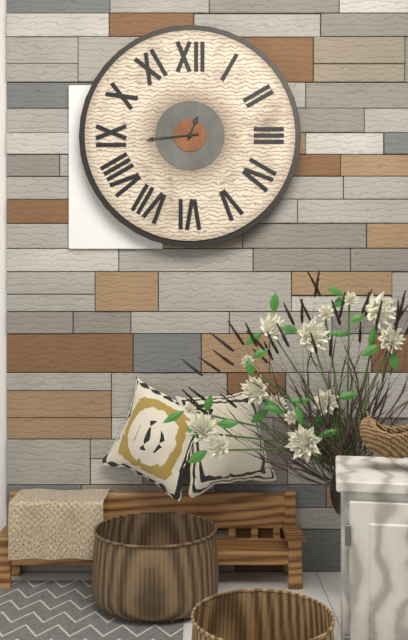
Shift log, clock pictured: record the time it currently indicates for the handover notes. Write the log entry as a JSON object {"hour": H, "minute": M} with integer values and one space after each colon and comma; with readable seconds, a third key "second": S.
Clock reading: {"hour": 12, "minute": 44}
